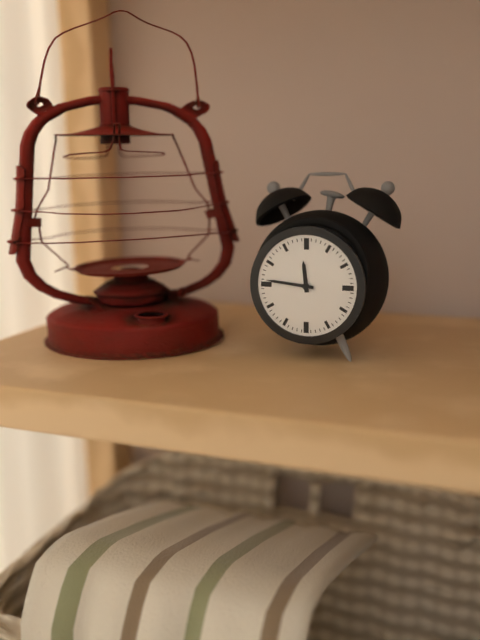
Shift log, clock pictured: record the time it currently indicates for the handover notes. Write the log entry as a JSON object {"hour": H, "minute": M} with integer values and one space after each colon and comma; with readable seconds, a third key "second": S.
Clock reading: {"hour": 11, "minute": 46}
